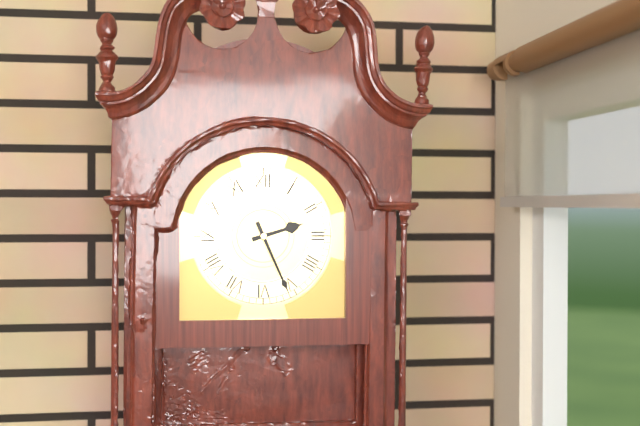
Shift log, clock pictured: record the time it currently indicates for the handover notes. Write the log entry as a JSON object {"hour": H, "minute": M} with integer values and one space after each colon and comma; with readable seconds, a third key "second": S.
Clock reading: {"hour": 2, "minute": 26}
